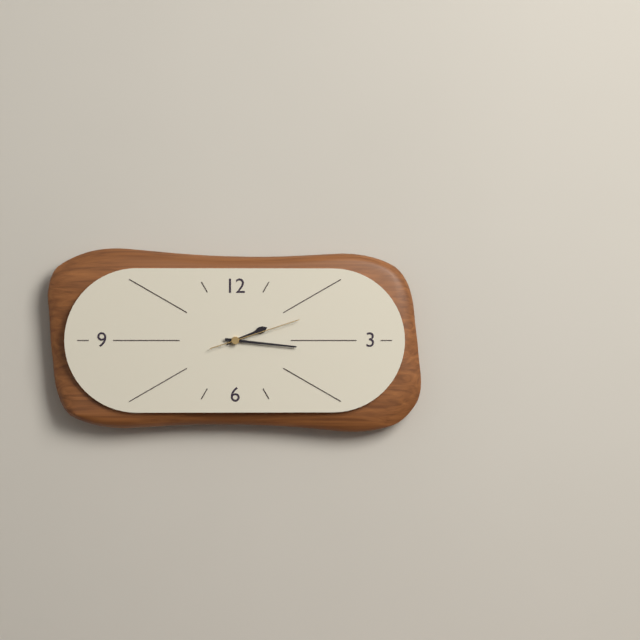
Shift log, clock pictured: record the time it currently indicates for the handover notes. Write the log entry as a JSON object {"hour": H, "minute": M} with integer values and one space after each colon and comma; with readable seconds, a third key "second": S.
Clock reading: {"hour": 2, "minute": 16, "second": 12}
